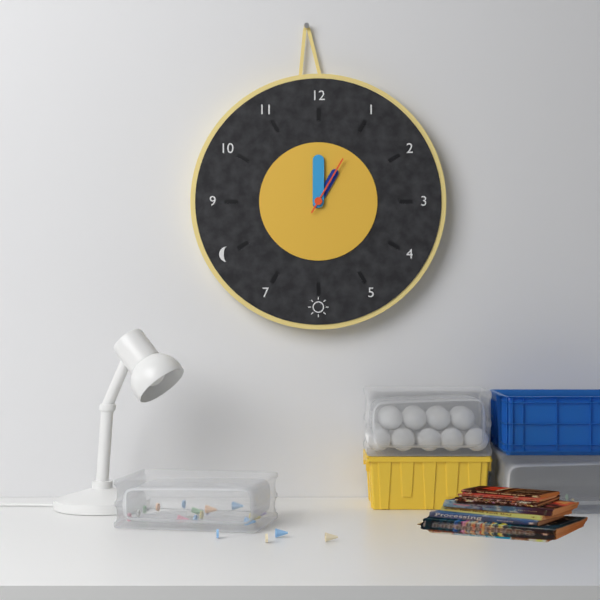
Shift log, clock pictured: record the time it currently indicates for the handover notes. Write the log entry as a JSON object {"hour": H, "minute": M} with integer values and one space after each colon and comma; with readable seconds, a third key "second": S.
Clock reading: {"hour": 1, "minute": 0, "second": 5}
